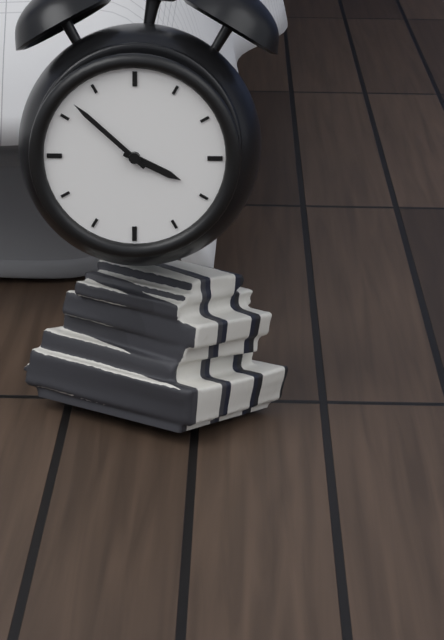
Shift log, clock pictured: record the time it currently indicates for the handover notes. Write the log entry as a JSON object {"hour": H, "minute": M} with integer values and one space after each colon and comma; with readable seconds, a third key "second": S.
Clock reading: {"hour": 3, "minute": 52}
